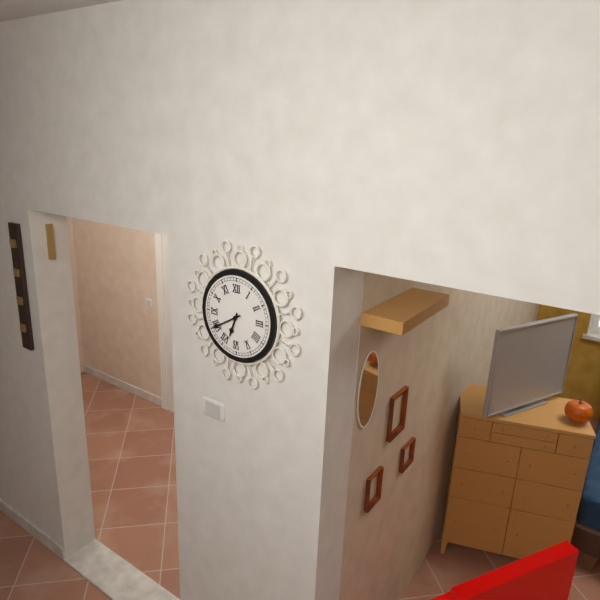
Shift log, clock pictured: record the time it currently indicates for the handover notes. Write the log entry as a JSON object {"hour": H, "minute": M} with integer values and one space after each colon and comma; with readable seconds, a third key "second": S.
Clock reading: {"hour": 6, "minute": 40}
